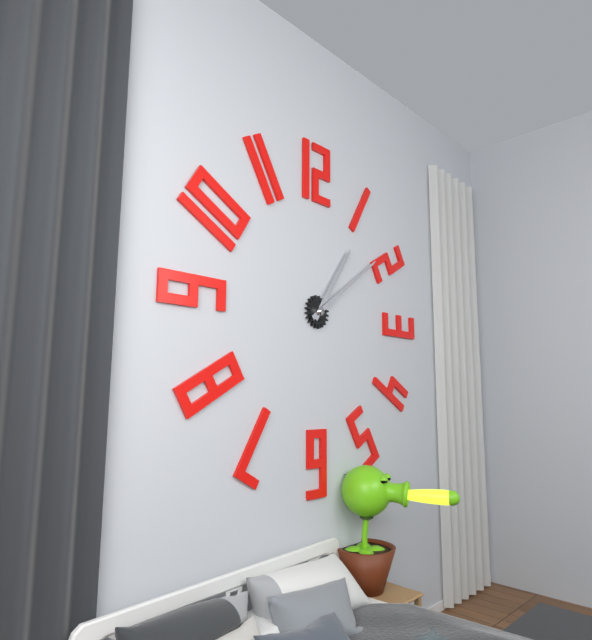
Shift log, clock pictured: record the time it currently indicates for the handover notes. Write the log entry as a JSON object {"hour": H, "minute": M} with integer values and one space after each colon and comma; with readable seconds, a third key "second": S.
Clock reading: {"hour": 1, "minute": 9}
